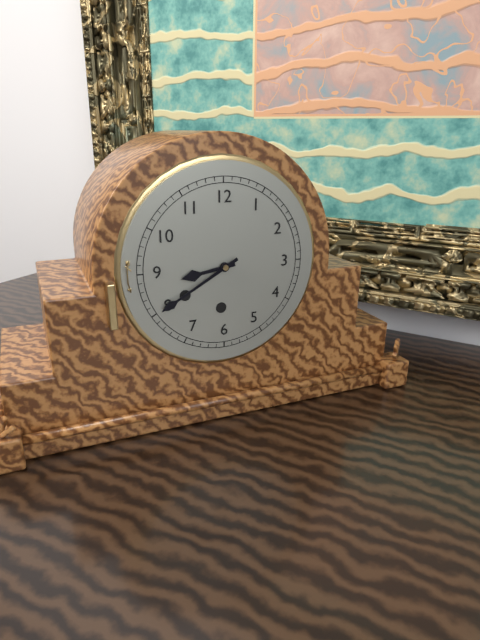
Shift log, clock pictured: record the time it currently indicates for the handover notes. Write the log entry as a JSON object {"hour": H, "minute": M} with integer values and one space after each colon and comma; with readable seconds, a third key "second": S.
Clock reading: {"hour": 8, "minute": 40}
